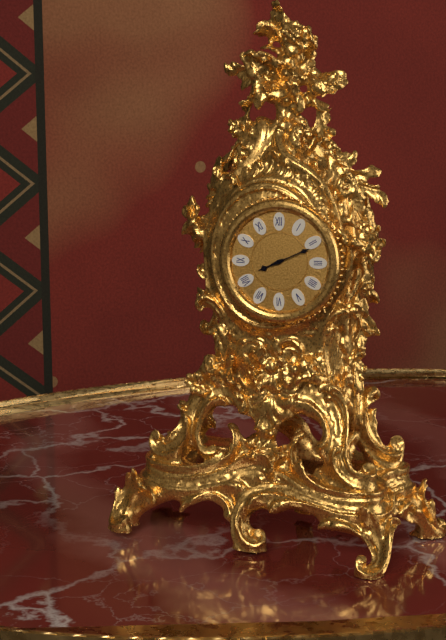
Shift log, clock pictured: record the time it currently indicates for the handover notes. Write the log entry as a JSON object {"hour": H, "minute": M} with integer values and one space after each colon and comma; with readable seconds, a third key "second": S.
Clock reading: {"hour": 8, "minute": 11}
